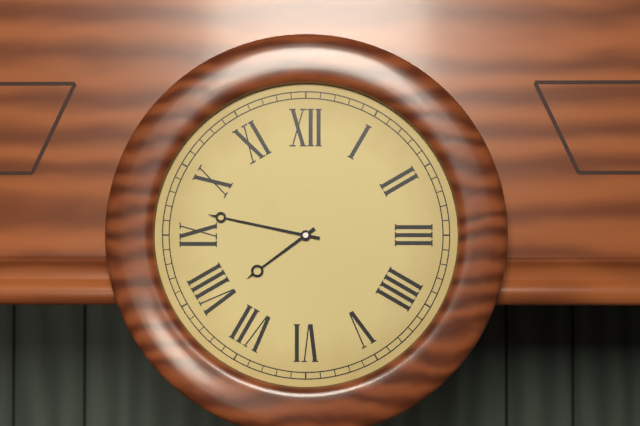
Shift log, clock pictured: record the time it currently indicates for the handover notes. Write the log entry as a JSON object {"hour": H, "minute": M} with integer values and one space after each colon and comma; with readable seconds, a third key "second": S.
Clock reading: {"hour": 7, "minute": 47}
